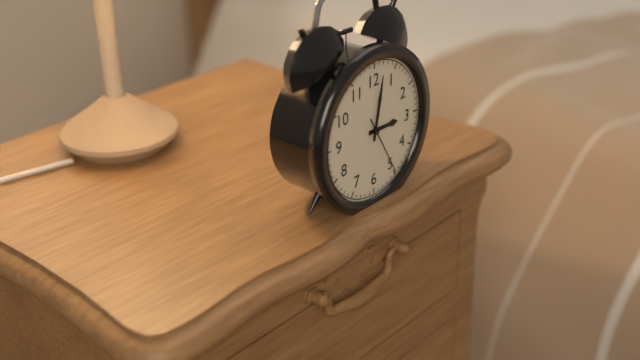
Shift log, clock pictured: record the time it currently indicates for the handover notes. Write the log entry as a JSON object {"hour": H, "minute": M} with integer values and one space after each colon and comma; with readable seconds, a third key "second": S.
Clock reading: {"hour": 3, "minute": 2, "second": 25}
